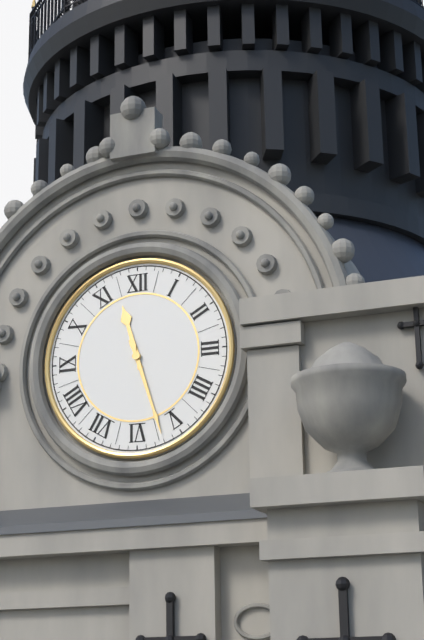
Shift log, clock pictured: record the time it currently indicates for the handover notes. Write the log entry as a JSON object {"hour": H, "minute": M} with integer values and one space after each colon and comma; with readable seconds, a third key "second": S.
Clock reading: {"hour": 11, "minute": 27}
